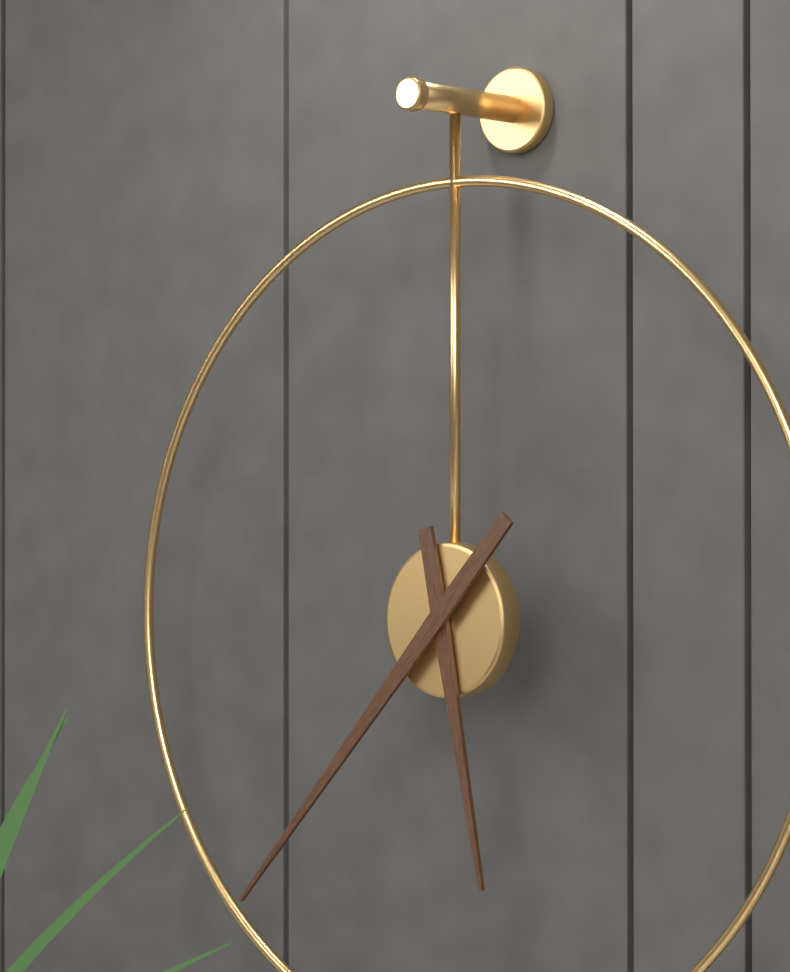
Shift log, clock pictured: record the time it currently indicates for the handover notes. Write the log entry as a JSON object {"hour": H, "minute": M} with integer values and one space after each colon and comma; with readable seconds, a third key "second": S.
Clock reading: {"hour": 5, "minute": 37}
